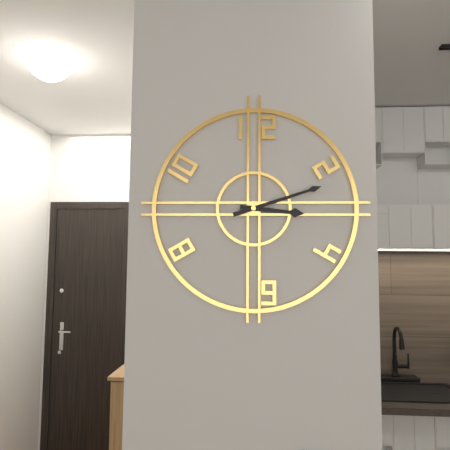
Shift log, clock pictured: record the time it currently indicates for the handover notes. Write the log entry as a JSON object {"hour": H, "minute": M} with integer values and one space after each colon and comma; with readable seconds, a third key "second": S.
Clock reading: {"hour": 3, "minute": 12}
